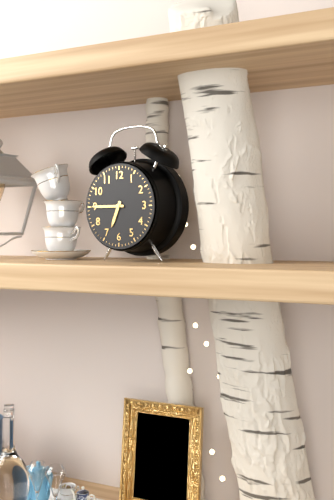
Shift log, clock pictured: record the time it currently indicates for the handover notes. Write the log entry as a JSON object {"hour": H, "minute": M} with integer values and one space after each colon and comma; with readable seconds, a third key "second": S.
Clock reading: {"hour": 6, "minute": 45}
